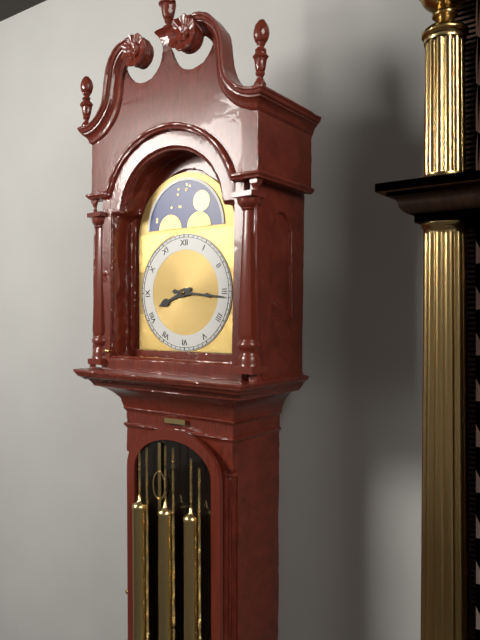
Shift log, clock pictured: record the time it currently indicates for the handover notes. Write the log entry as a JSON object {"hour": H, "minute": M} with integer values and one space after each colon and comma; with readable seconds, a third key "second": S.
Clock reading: {"hour": 8, "minute": 16}
